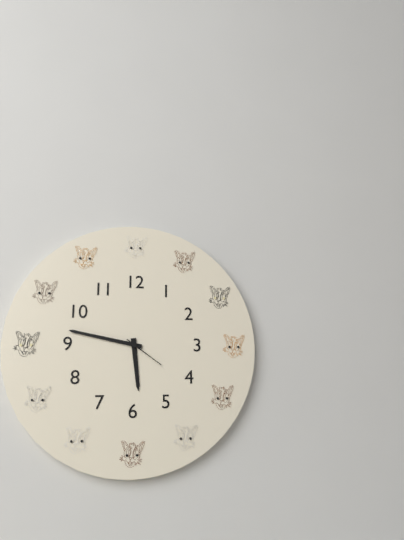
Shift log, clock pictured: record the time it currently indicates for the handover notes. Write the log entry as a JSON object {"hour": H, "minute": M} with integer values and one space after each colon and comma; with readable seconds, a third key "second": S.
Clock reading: {"hour": 5, "minute": 47}
